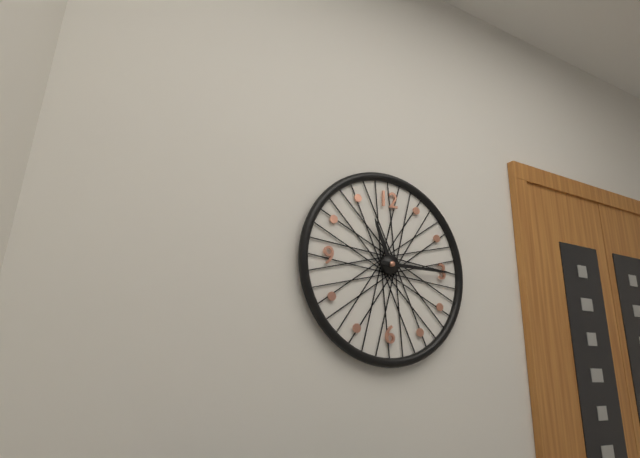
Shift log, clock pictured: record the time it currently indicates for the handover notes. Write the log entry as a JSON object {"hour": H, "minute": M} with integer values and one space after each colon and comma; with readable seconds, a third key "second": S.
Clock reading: {"hour": 11, "minute": 15}
